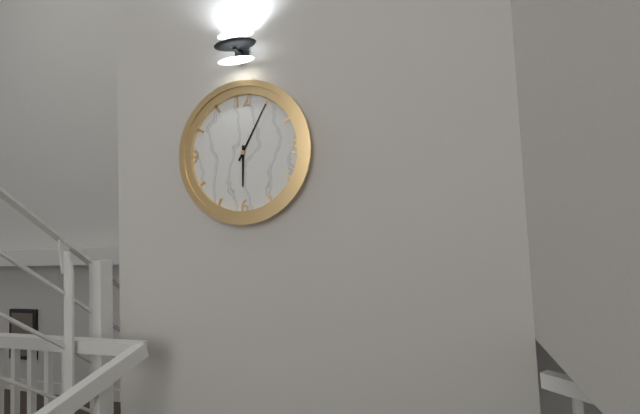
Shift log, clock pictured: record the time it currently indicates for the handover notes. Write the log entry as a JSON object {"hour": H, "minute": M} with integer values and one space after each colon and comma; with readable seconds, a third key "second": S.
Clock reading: {"hour": 6, "minute": 5}
